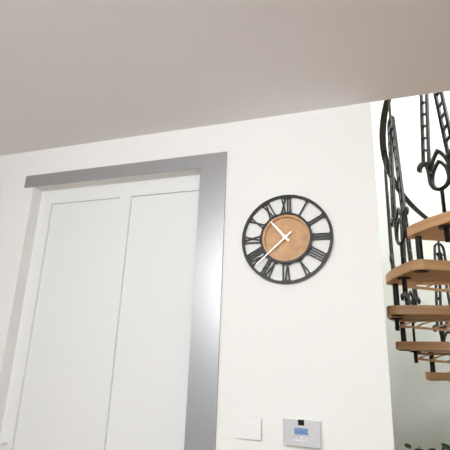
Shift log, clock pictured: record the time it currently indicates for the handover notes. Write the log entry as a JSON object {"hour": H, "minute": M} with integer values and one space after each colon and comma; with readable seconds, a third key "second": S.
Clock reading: {"hour": 10, "minute": 38}
